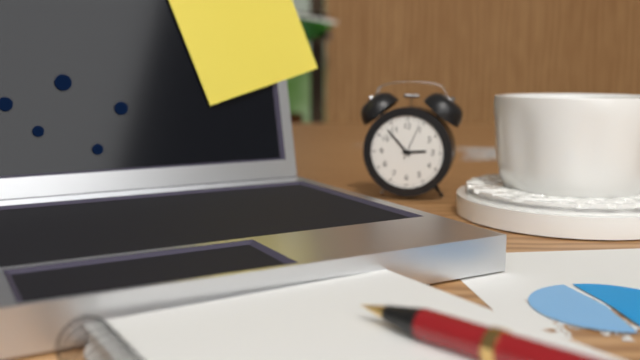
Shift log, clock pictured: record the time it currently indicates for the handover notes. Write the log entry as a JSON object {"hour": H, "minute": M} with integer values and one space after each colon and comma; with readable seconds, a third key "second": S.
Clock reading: {"hour": 2, "minute": 53}
